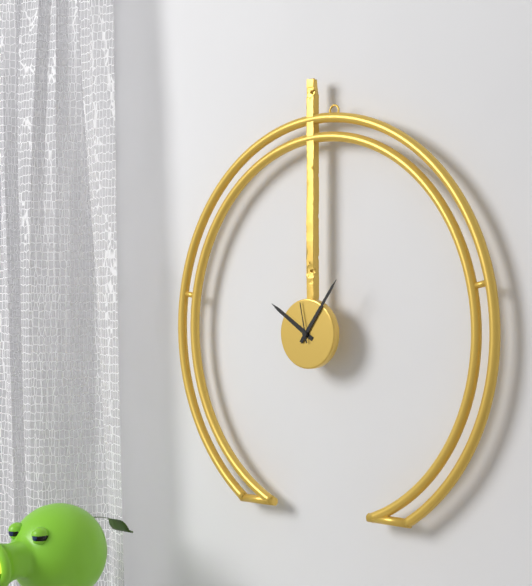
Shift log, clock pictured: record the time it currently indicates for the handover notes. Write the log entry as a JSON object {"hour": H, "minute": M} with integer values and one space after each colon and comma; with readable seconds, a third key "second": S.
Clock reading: {"hour": 10, "minute": 6}
